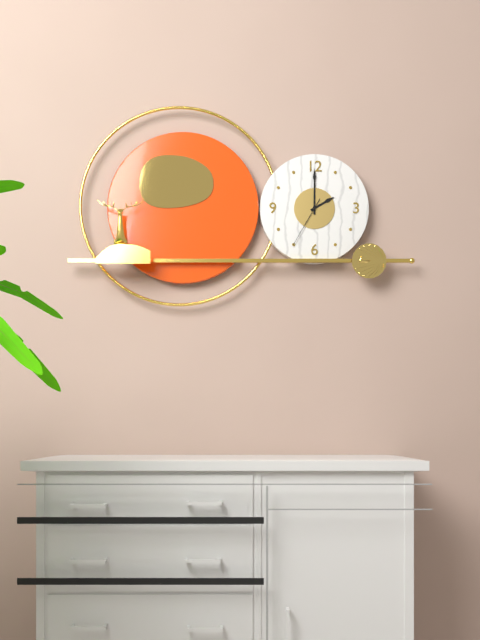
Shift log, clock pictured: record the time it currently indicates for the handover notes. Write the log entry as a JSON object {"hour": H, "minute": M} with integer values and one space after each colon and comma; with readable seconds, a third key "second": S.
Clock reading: {"hour": 2, "minute": 0, "second": 35}
